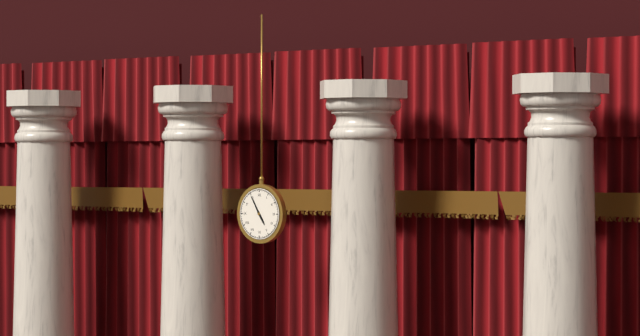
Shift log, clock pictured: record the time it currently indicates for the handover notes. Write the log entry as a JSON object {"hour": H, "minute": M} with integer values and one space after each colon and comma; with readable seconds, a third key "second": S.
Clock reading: {"hour": 4, "minute": 55}
